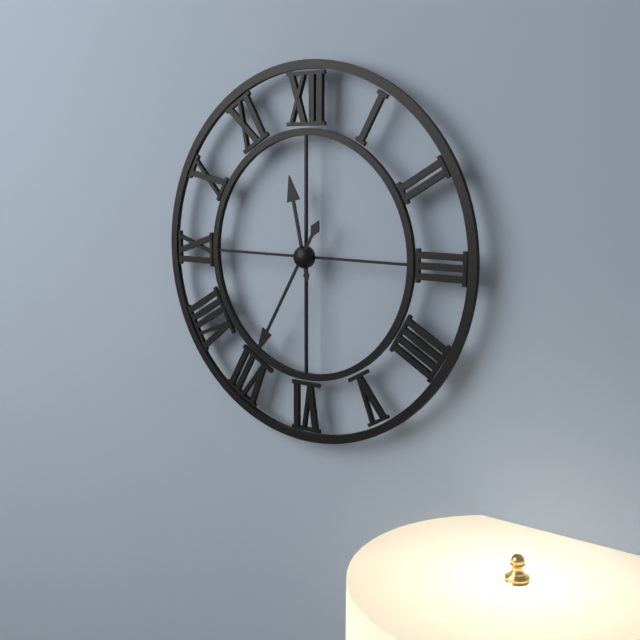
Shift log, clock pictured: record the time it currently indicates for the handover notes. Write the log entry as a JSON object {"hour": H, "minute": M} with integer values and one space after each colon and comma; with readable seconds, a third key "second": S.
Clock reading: {"hour": 11, "minute": 35}
